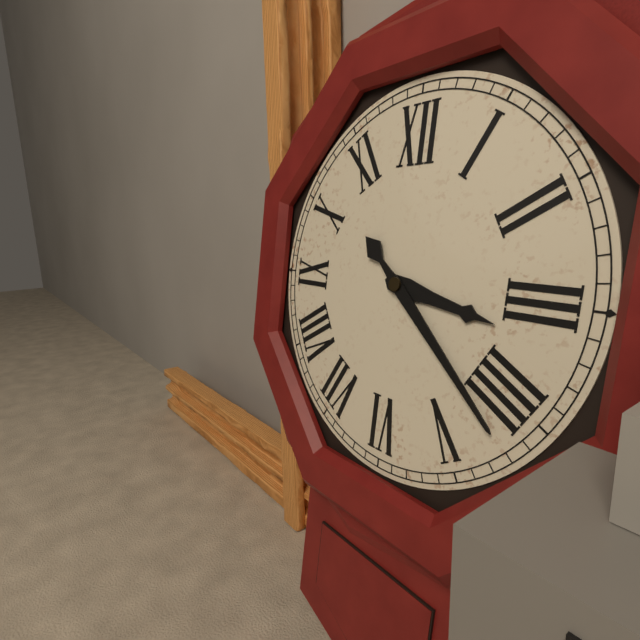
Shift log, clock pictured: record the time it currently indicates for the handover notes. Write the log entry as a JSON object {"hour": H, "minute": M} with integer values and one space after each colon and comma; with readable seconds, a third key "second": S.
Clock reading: {"hour": 3, "minute": 22}
